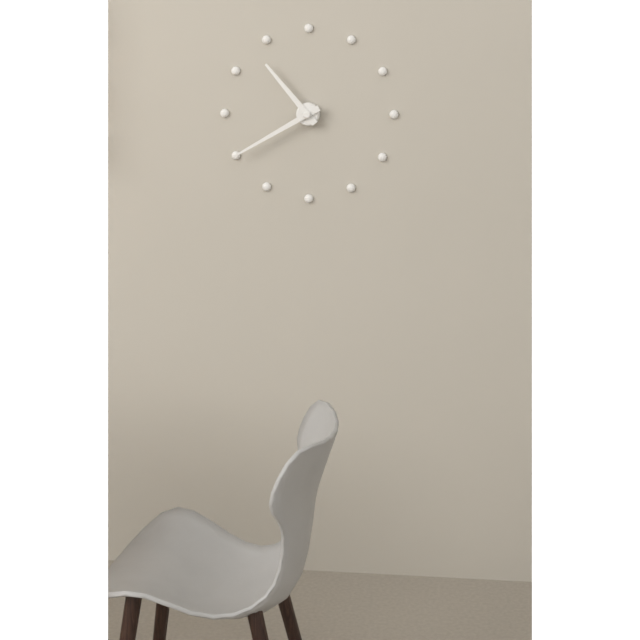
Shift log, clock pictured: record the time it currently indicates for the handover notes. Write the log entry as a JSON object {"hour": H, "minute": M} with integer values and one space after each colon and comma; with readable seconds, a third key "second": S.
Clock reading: {"hour": 10, "minute": 40}
